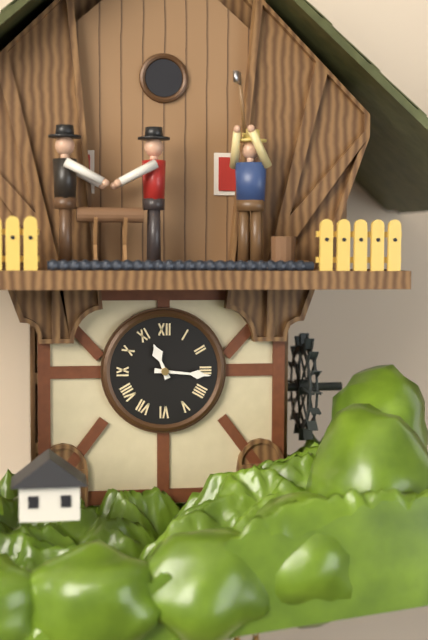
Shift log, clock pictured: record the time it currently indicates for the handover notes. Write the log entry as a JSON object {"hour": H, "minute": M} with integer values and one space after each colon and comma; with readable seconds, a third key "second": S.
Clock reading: {"hour": 11, "minute": 16}
